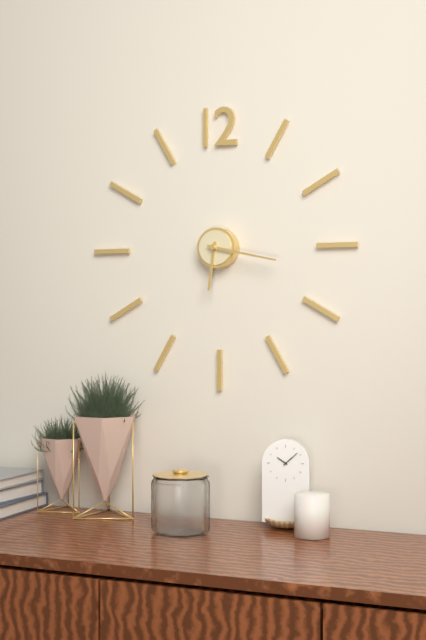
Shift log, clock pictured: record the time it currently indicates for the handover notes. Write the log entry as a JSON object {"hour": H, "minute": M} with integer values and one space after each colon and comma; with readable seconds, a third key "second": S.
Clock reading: {"hour": 6, "minute": 17}
